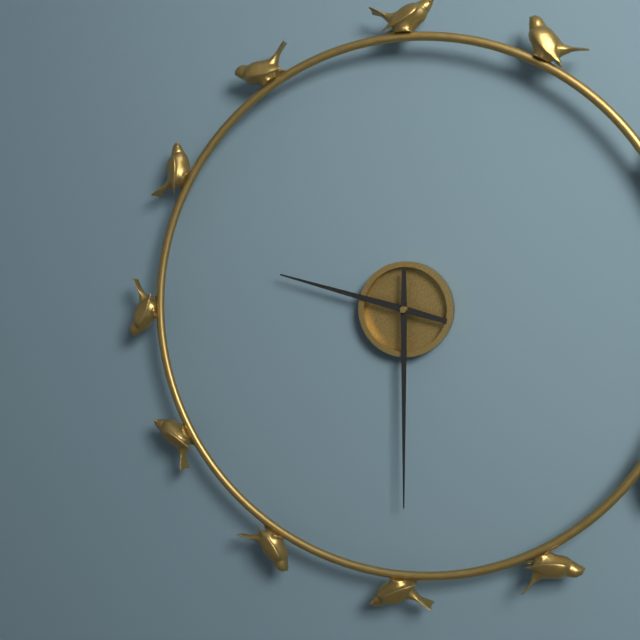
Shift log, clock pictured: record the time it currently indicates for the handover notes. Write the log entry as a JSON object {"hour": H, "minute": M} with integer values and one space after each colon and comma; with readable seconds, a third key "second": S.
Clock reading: {"hour": 9, "minute": 30}
